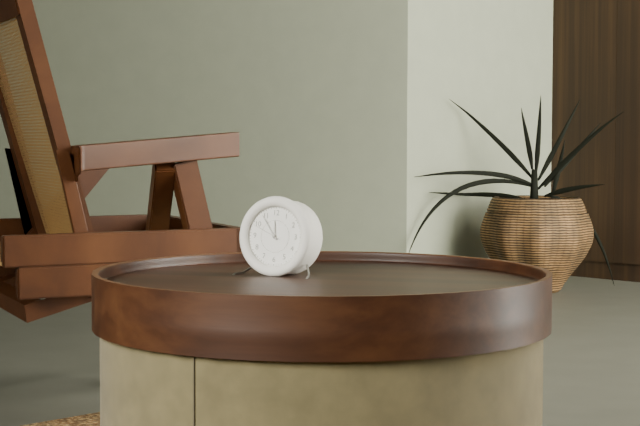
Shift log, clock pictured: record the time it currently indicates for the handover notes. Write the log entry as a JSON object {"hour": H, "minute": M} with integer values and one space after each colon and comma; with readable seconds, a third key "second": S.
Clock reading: {"hour": 11, "minute": 54}
